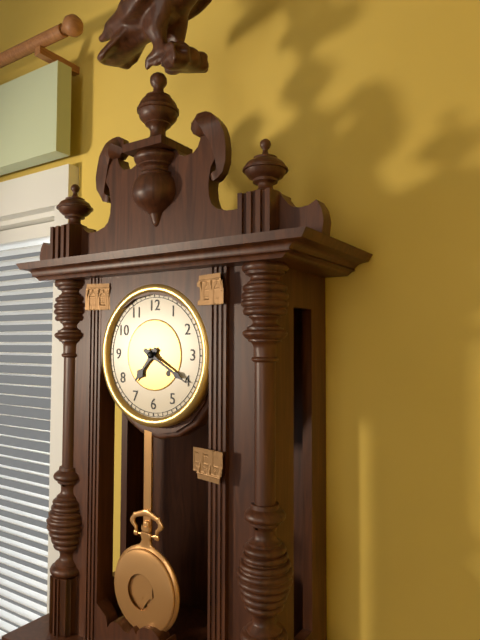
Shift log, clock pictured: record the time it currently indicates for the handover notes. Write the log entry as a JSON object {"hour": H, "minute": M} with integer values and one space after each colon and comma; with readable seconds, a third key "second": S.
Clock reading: {"hour": 7, "minute": 20}
